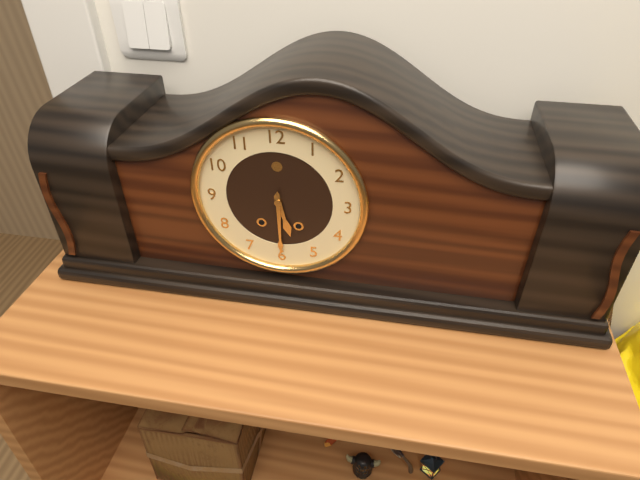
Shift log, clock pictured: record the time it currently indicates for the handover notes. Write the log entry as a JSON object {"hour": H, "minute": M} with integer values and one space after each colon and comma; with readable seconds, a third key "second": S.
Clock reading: {"hour": 5, "minute": 30}
